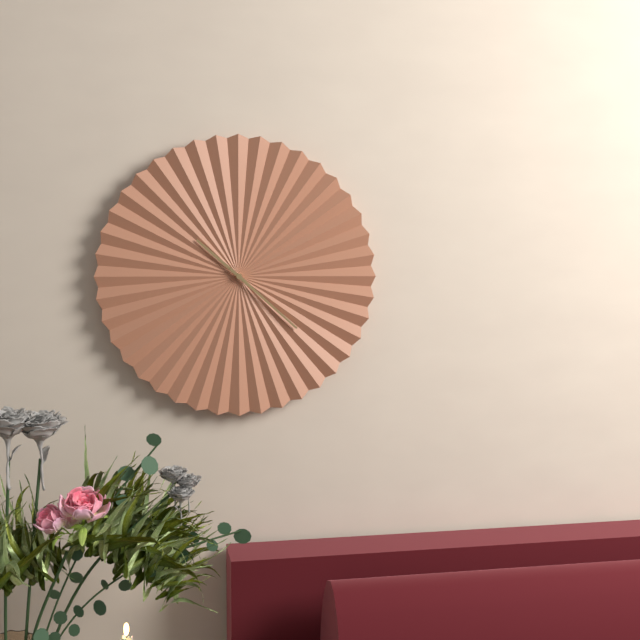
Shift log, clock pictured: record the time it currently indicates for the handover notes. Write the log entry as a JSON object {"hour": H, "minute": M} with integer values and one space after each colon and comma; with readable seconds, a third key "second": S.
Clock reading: {"hour": 10, "minute": 22}
